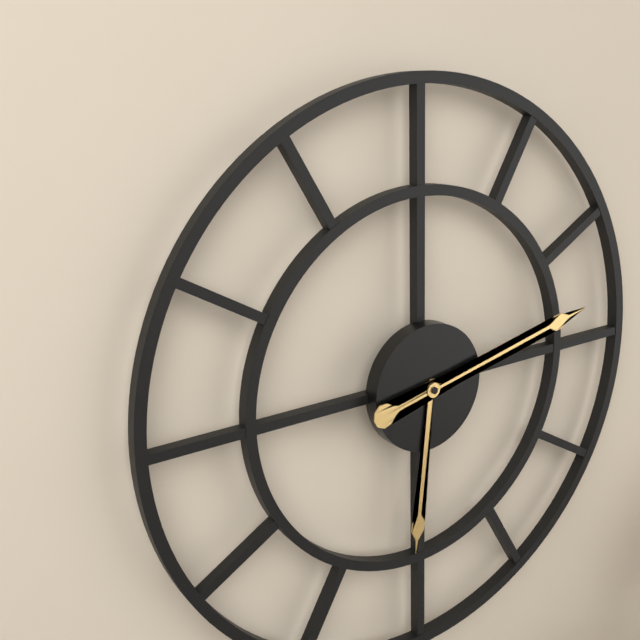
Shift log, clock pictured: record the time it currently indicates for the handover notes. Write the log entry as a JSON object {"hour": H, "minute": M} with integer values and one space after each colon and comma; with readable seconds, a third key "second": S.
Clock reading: {"hour": 6, "minute": 13}
